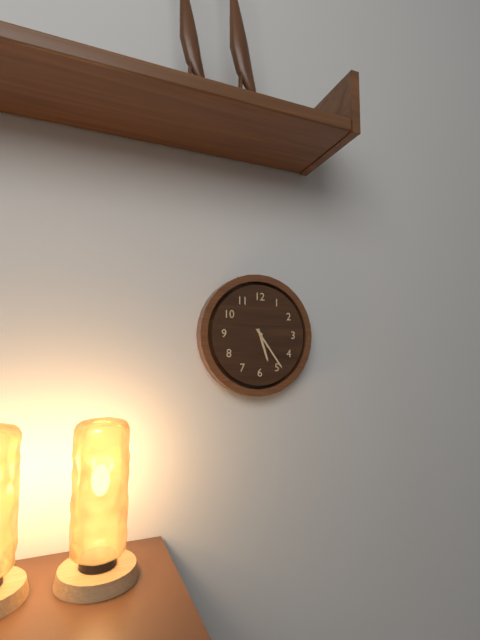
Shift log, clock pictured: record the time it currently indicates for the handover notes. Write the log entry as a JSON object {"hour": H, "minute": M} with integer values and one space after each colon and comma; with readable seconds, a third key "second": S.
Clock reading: {"hour": 5, "minute": 24}
